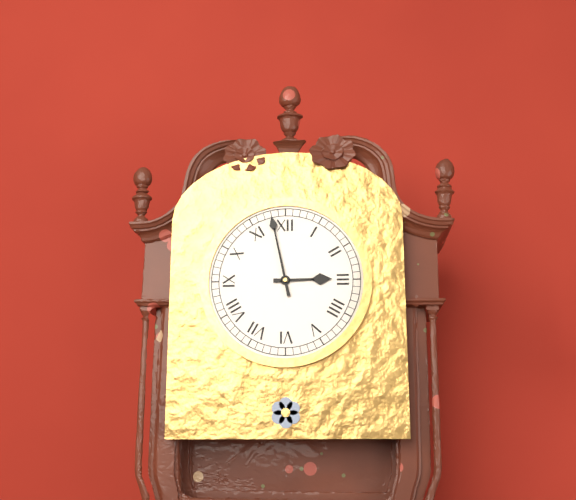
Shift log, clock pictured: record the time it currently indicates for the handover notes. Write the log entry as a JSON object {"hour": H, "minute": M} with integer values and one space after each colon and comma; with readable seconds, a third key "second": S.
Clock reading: {"hour": 2, "minute": 58}
